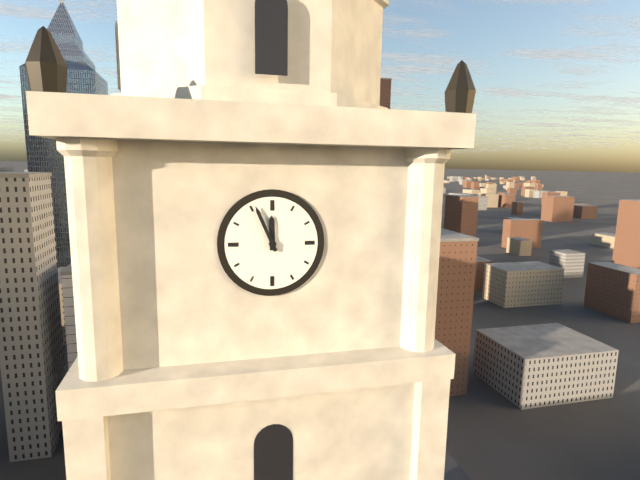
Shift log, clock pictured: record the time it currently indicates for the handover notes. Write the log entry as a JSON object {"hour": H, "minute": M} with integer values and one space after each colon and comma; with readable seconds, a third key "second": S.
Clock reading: {"hour": 11, "minute": 56}
